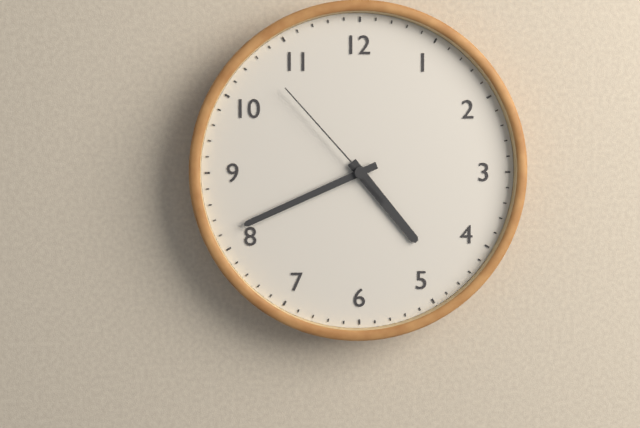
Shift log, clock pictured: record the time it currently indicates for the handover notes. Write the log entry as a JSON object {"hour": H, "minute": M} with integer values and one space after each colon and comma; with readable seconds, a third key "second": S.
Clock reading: {"hour": 4, "minute": 41, "second": 53}
